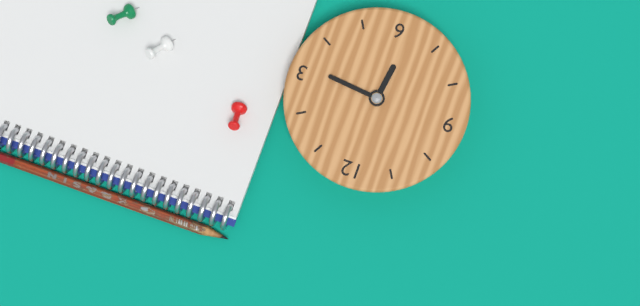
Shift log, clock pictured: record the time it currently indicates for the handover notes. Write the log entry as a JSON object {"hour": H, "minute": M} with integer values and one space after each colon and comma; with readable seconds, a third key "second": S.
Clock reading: {"hour": 6, "minute": 16}
